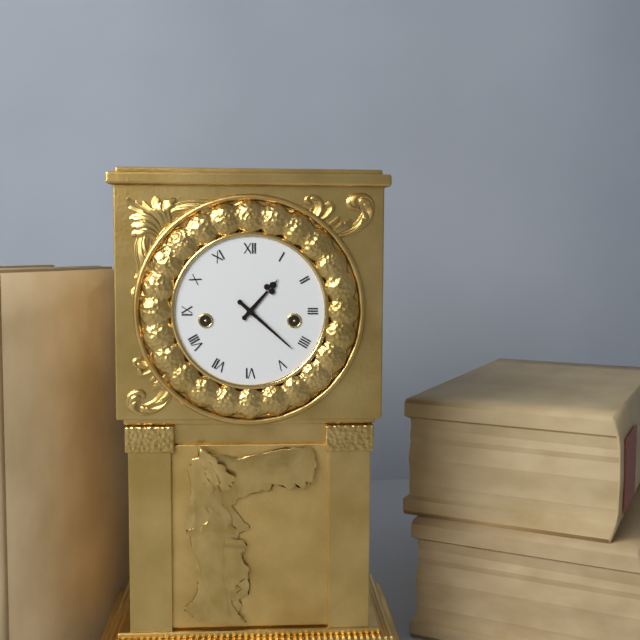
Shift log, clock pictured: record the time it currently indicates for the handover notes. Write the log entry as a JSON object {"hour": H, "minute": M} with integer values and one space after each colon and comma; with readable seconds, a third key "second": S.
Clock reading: {"hour": 1, "minute": 22}
